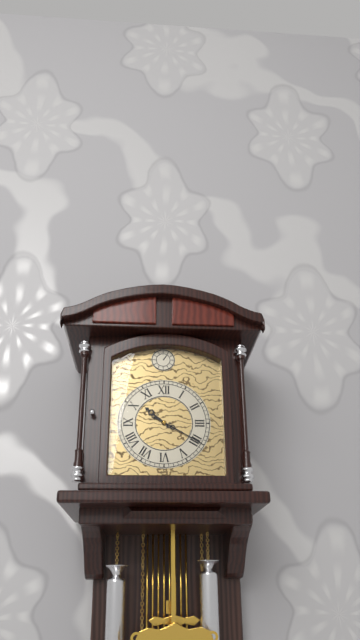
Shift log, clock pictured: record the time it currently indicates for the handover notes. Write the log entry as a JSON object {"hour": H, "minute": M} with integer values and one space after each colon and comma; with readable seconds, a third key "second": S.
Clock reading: {"hour": 10, "minute": 20}
